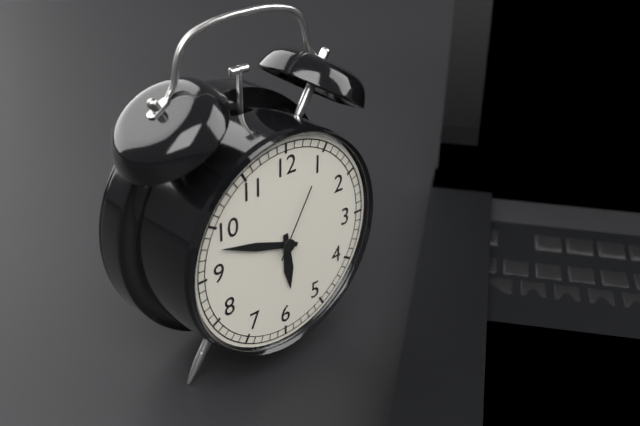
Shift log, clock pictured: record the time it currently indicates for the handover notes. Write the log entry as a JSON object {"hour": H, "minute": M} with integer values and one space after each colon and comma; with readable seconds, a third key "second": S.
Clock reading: {"hour": 5, "minute": 48, "second": 5}
